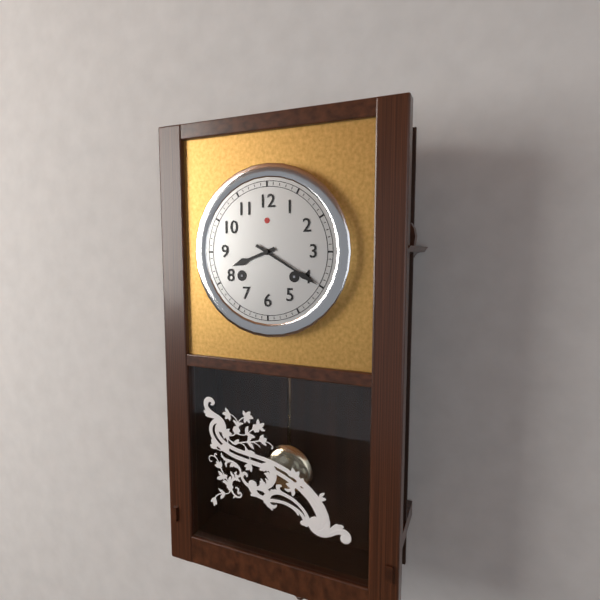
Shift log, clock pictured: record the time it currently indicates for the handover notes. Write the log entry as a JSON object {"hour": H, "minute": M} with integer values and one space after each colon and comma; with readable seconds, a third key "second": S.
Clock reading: {"hour": 8, "minute": 20}
